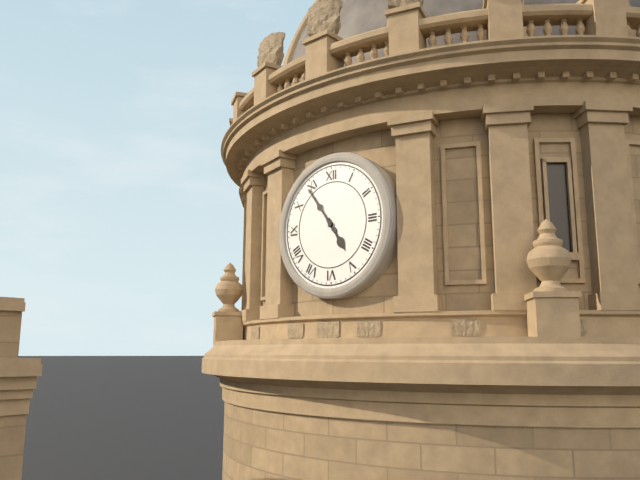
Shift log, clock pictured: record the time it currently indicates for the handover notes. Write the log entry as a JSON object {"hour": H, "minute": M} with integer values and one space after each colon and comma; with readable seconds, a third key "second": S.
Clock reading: {"hour": 4, "minute": 54}
